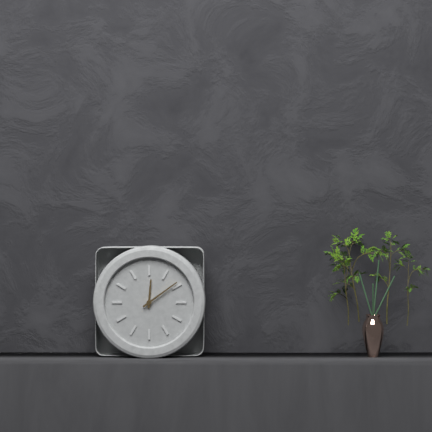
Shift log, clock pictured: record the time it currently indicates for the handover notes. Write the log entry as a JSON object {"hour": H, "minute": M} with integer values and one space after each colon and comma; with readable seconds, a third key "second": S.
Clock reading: {"hour": 12, "minute": 9}
